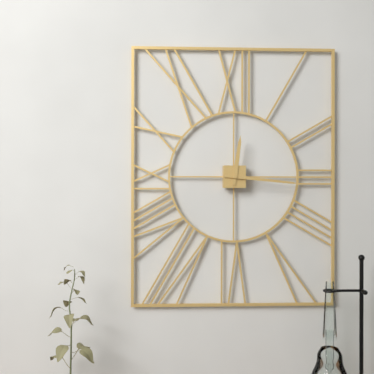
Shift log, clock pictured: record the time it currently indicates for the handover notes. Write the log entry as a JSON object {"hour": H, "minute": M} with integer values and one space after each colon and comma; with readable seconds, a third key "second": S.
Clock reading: {"hour": 12, "minute": 16}
